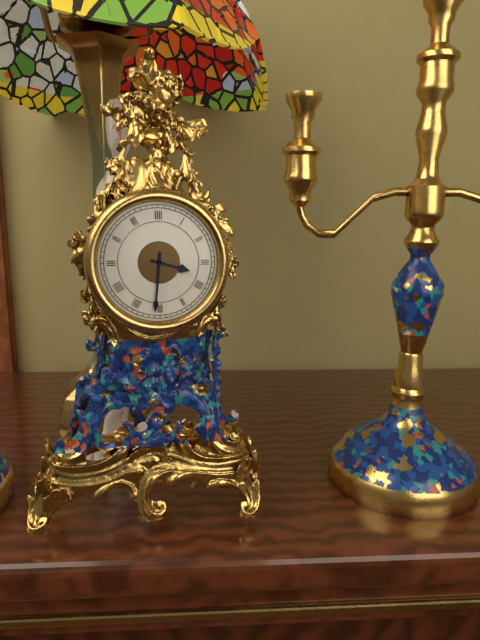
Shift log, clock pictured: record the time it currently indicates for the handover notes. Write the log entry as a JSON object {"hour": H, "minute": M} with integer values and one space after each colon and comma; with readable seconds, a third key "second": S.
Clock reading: {"hour": 3, "minute": 31}
